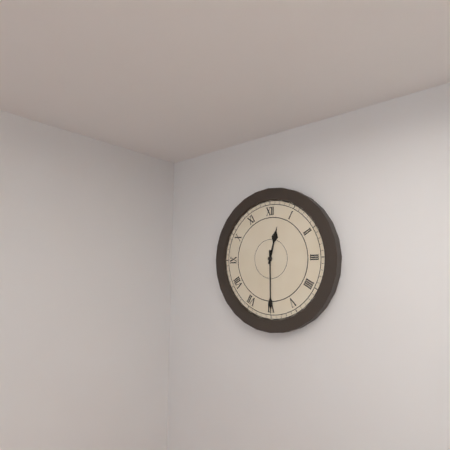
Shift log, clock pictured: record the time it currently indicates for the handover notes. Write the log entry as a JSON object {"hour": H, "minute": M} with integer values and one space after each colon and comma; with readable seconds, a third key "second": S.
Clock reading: {"hour": 12, "minute": 30}
